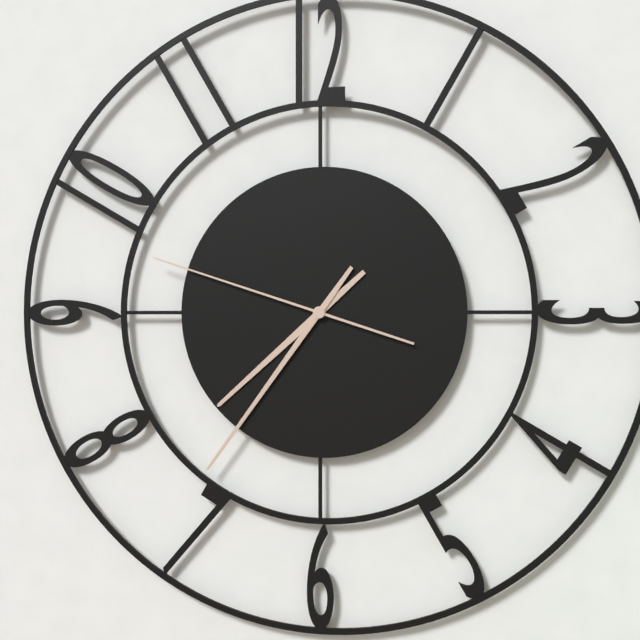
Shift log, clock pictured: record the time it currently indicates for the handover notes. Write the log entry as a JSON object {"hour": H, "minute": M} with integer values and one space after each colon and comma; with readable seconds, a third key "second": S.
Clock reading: {"hour": 7, "minute": 36, "second": 48}
